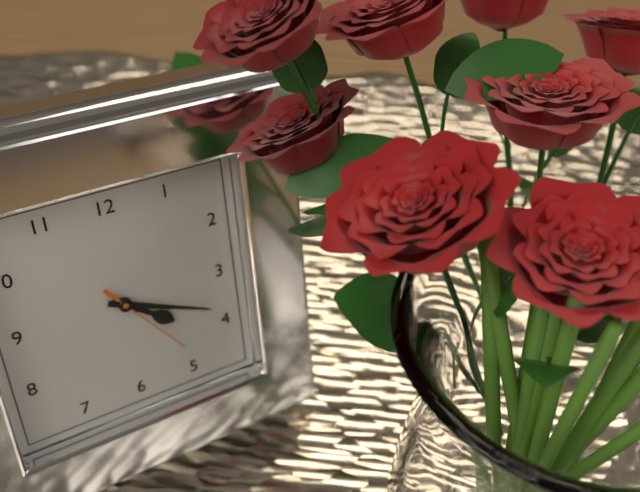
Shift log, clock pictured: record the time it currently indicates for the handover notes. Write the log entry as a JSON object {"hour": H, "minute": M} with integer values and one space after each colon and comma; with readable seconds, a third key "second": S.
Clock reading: {"hour": 4, "minute": 19, "second": 24}
